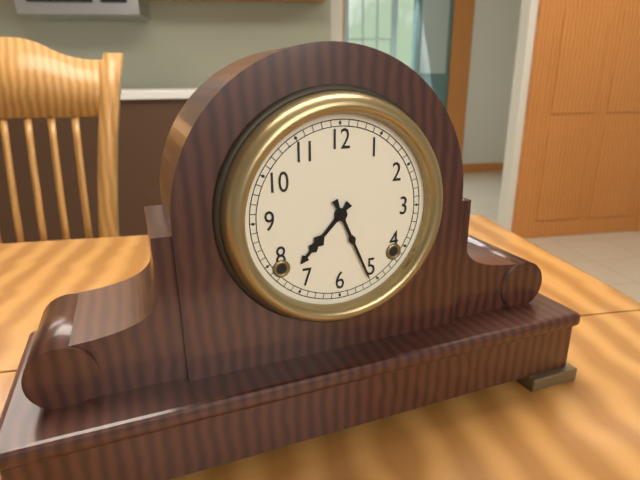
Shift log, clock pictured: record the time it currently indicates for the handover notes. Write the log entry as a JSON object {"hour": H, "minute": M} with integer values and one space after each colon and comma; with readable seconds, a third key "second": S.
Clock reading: {"hour": 7, "minute": 26}
